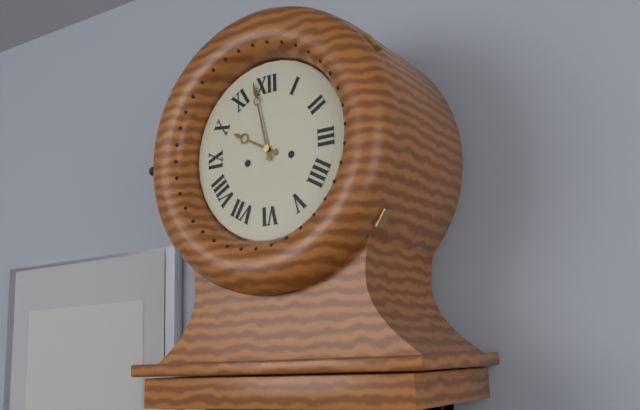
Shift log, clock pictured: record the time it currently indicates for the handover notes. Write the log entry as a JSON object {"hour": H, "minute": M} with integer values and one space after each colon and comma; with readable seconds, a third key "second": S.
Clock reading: {"hour": 9, "minute": 58}
